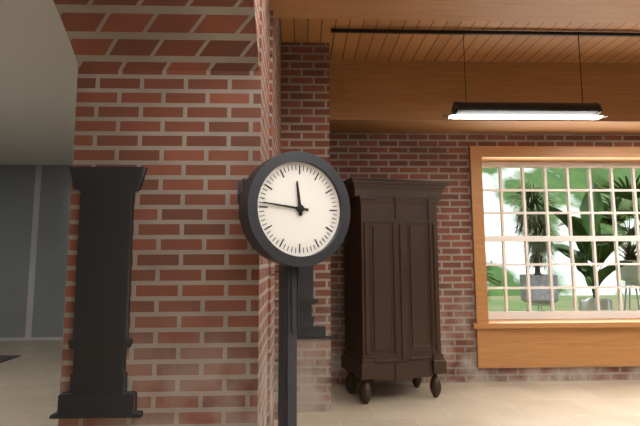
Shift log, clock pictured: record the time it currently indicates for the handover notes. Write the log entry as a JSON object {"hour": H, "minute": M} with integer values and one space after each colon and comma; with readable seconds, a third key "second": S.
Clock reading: {"hour": 11, "minute": 46}
